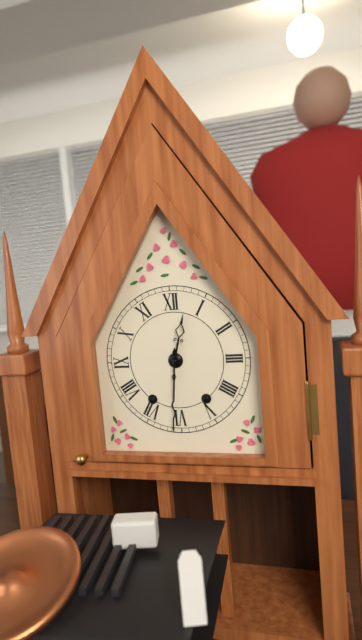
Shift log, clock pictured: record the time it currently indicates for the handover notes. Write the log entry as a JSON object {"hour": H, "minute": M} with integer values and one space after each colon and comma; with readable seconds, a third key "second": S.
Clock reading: {"hour": 12, "minute": 31}
